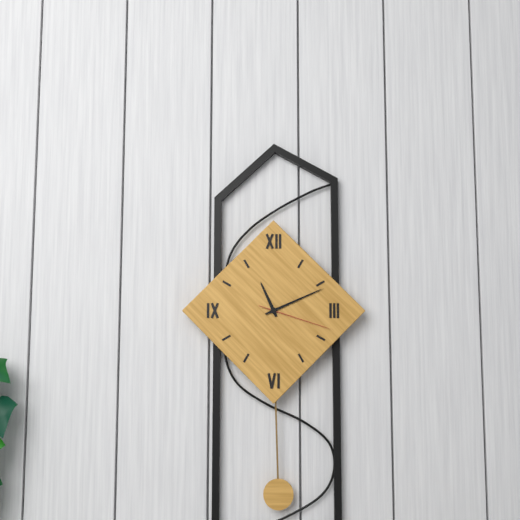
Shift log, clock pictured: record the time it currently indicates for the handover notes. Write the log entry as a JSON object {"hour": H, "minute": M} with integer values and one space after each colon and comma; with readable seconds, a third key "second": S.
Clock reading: {"hour": 11, "minute": 11, "second": 18}
